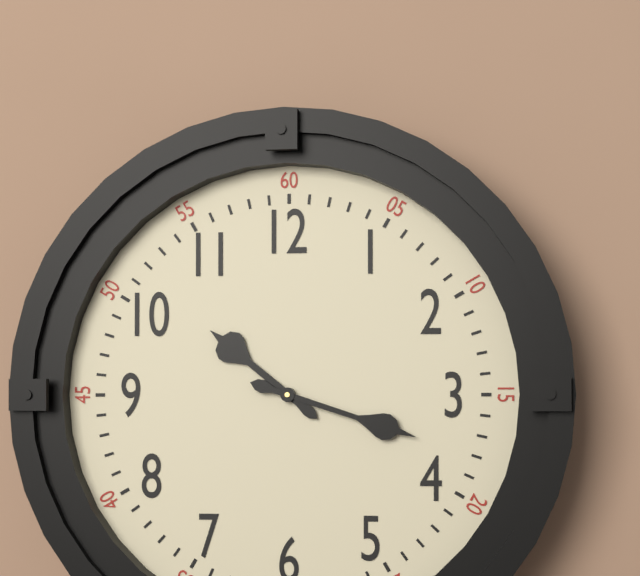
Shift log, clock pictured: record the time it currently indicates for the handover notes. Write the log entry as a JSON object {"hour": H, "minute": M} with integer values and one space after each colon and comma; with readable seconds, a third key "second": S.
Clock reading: {"hour": 10, "minute": 18}
